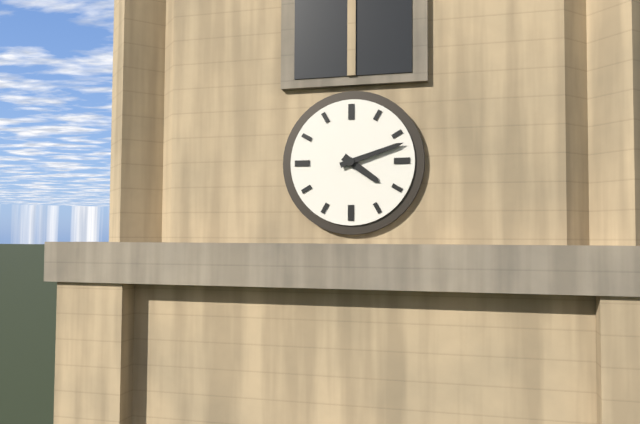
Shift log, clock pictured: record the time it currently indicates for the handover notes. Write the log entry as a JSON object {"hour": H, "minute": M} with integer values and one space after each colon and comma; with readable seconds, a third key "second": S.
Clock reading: {"hour": 4, "minute": 12}
